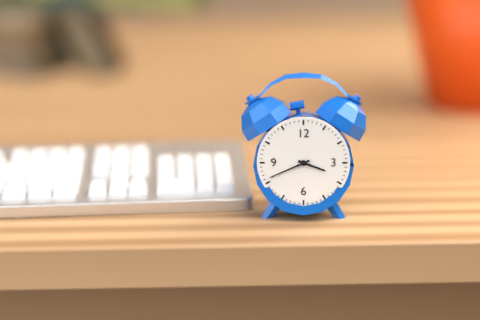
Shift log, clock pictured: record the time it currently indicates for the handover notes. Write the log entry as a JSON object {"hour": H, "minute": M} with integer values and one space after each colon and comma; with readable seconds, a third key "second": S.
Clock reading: {"hour": 3, "minute": 41}
